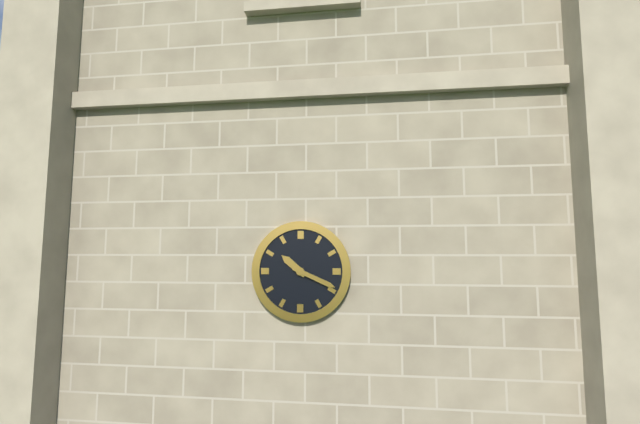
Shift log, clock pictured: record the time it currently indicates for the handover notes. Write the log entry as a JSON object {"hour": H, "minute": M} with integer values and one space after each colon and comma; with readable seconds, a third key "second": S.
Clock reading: {"hour": 10, "minute": 19}
